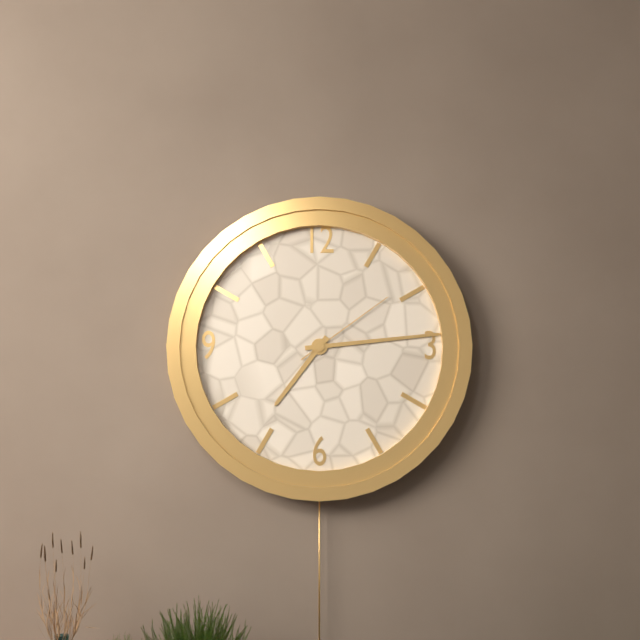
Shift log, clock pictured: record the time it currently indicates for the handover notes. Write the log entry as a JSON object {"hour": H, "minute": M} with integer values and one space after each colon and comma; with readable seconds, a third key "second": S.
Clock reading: {"hour": 7, "minute": 14, "second": 9}
